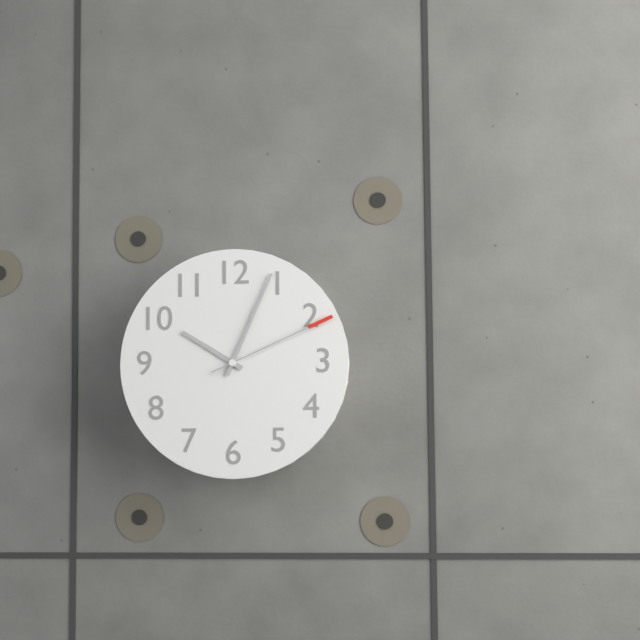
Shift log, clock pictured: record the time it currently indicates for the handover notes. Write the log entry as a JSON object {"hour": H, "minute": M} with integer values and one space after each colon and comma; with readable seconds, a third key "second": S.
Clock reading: {"hour": 10, "minute": 4, "second": 11}
